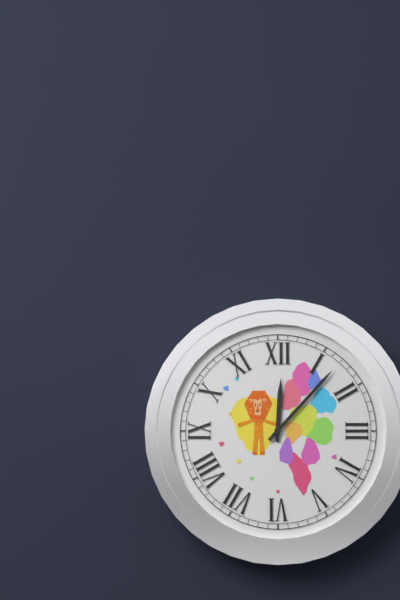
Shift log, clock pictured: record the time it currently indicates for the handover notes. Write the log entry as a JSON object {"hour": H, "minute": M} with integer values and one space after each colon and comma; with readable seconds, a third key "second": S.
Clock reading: {"hour": 12, "minute": 7}
